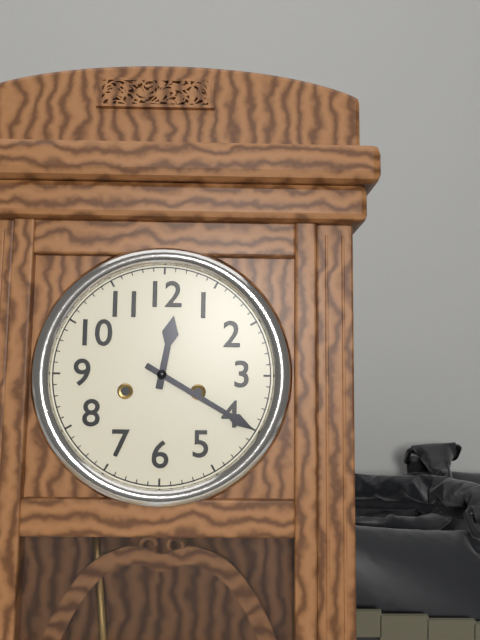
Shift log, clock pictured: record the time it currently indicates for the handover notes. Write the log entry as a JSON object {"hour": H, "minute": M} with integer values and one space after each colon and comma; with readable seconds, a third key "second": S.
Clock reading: {"hour": 12, "minute": 20}
